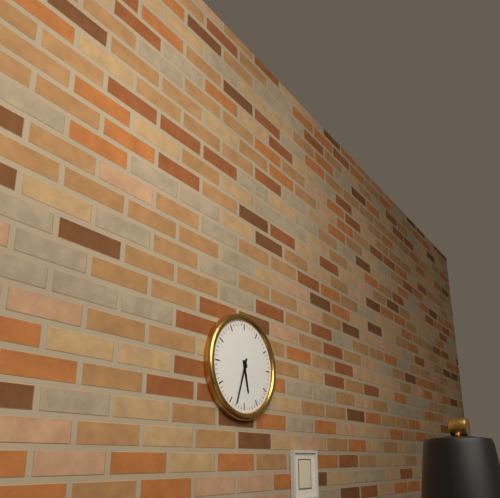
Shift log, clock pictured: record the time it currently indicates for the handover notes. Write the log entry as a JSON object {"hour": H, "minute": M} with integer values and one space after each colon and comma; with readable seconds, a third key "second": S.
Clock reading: {"hour": 5, "minute": 33}
